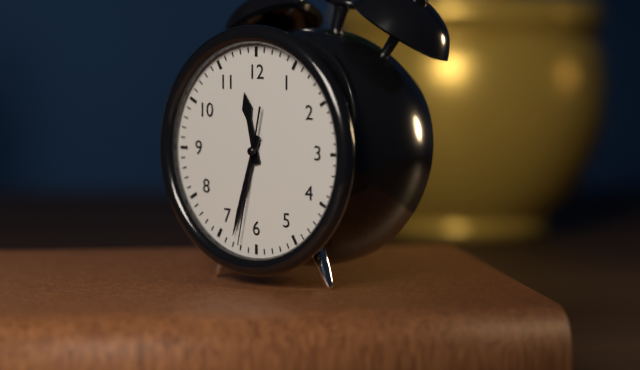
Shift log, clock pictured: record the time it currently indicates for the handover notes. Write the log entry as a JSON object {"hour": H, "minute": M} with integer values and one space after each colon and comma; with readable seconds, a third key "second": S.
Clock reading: {"hour": 11, "minute": 33, "second": 32}
